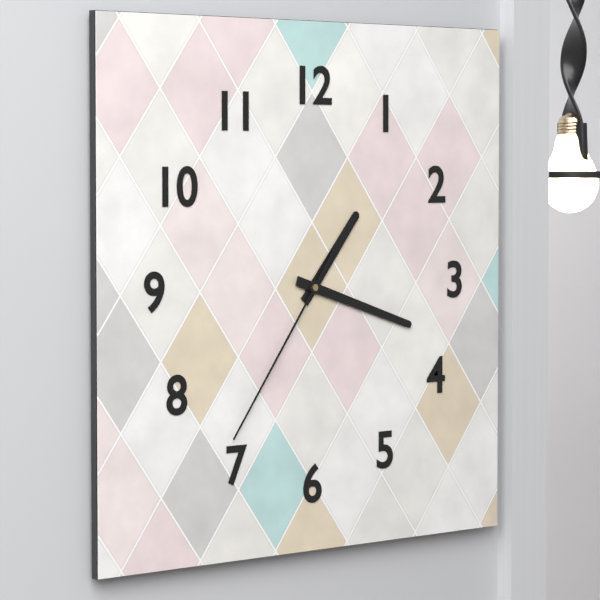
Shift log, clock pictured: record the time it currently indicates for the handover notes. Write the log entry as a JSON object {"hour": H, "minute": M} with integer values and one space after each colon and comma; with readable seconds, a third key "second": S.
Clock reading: {"hour": 1, "minute": 18, "second": 36}
